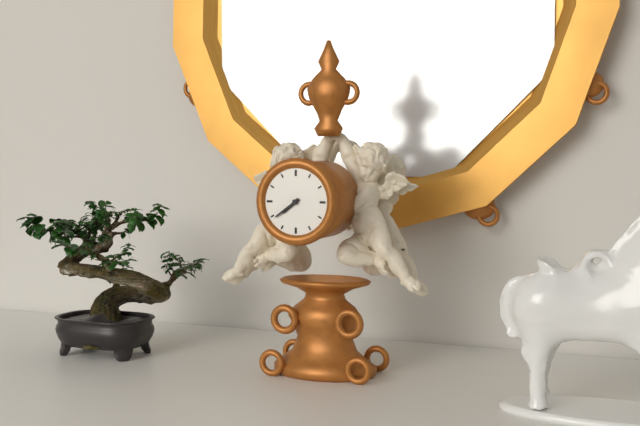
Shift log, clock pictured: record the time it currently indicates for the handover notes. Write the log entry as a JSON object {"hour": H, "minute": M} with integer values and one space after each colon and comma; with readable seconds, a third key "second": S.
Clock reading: {"hour": 7, "minute": 39}
